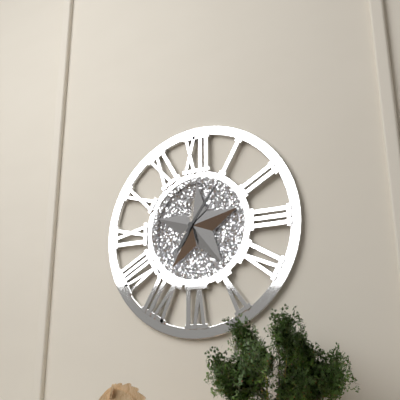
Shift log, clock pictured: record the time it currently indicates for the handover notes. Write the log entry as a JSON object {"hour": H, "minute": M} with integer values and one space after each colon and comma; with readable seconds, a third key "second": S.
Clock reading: {"hour": 7, "minute": 6}
